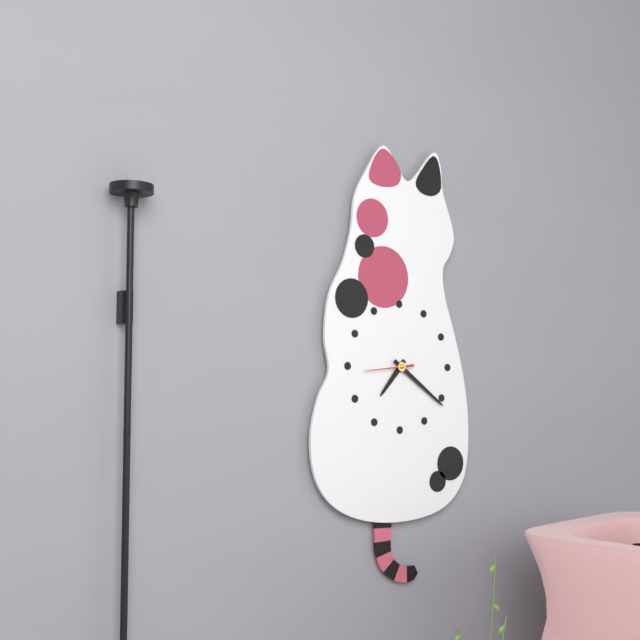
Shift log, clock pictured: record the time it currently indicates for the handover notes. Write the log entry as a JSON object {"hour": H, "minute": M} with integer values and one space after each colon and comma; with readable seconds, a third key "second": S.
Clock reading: {"hour": 7, "minute": 21}
